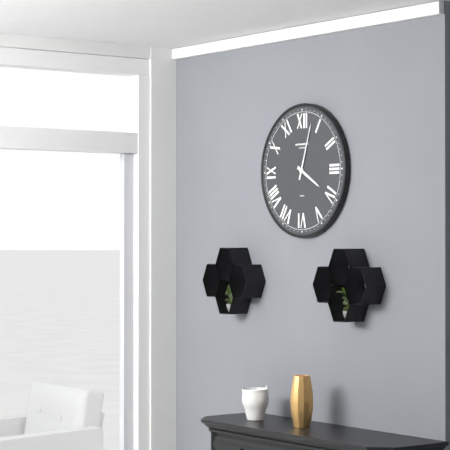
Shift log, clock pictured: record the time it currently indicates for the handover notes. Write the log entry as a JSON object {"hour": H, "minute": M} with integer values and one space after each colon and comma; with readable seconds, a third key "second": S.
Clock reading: {"hour": 4, "minute": 3}
